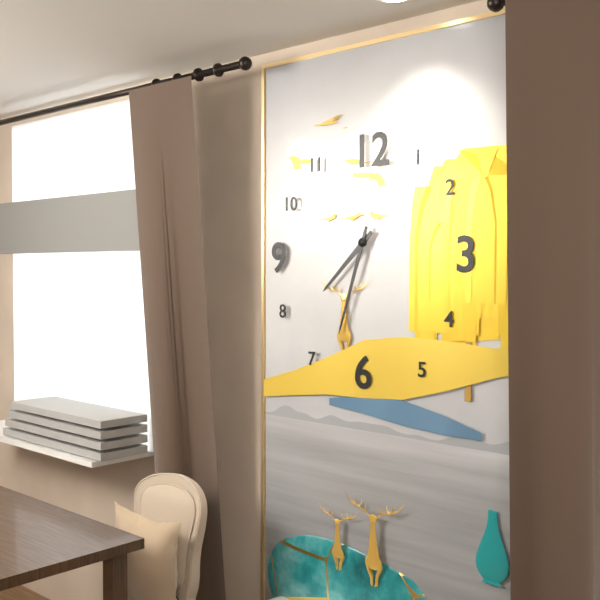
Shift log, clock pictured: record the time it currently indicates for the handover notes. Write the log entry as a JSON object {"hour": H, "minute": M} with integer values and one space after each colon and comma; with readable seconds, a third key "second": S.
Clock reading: {"hour": 7, "minute": 33}
